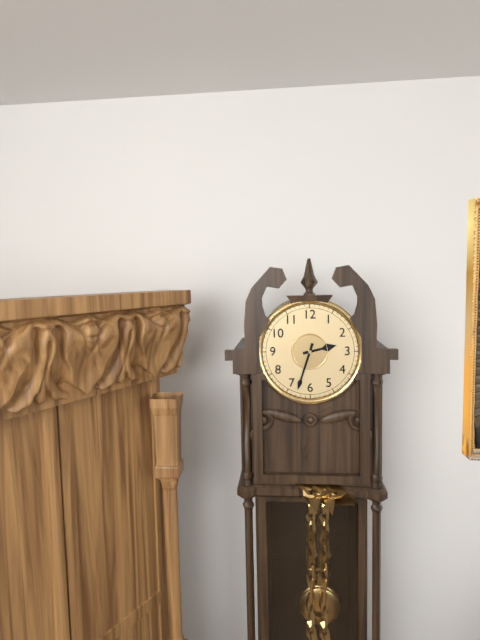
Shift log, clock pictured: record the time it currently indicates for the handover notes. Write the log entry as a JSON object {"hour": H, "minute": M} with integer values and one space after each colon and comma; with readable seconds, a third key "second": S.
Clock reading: {"hour": 2, "minute": 33}
